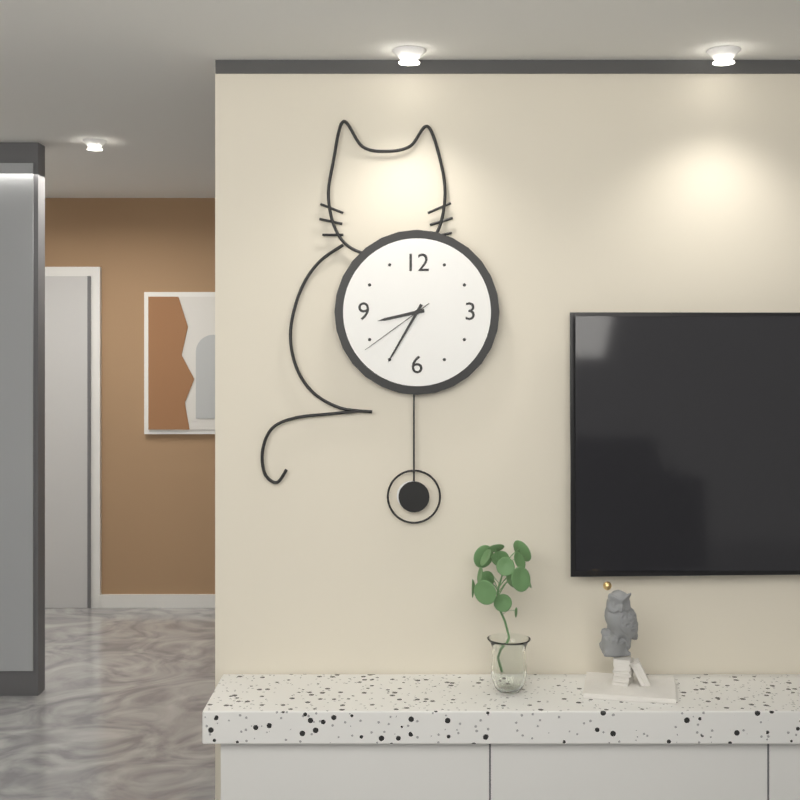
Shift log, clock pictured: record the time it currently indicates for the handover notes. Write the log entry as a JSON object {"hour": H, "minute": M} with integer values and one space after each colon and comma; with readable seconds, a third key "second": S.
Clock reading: {"hour": 8, "minute": 35, "second": 39}
